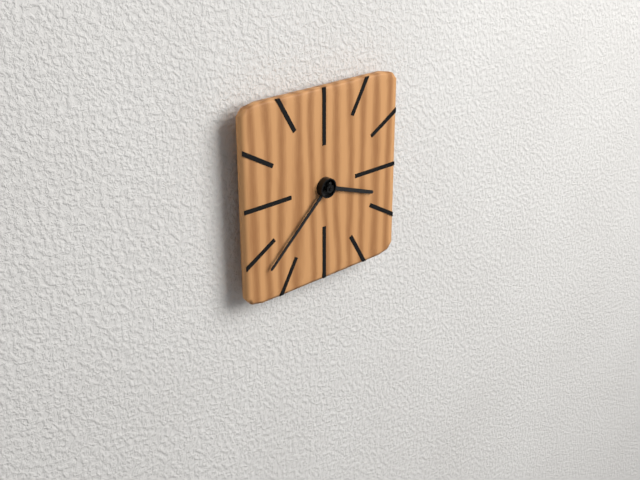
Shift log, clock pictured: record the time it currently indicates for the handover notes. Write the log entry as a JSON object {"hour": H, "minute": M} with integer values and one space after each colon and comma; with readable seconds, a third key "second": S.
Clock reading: {"hour": 3, "minute": 38}
